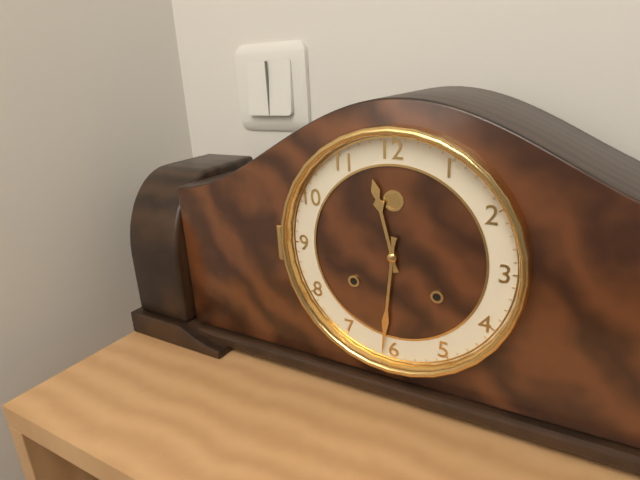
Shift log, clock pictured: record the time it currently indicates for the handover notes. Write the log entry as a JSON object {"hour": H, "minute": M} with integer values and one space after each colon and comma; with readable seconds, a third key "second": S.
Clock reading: {"hour": 11, "minute": 31}
